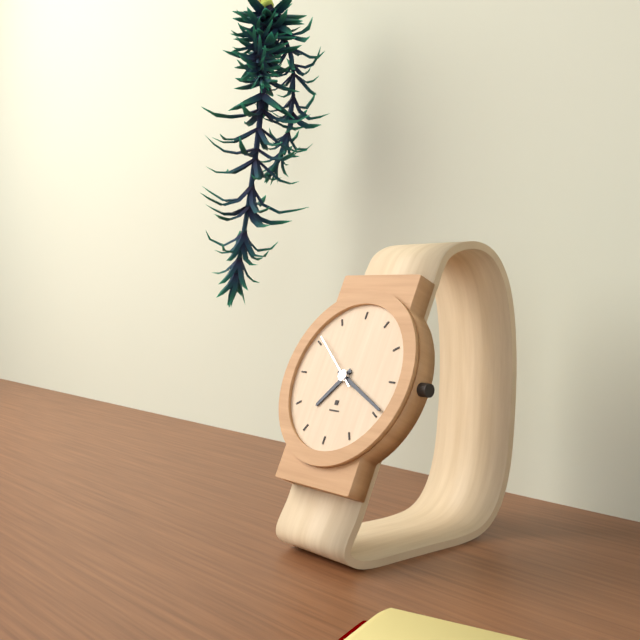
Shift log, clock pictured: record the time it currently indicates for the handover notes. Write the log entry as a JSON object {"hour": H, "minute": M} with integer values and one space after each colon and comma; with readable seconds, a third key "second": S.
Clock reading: {"hour": 7, "minute": 19, "second": 51}
